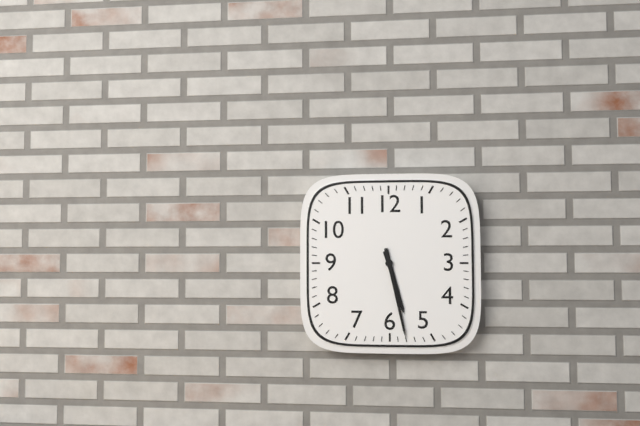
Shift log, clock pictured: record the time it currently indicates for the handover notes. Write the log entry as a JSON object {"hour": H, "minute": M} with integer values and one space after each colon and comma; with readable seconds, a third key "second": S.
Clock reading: {"hour": 5, "minute": 28}
